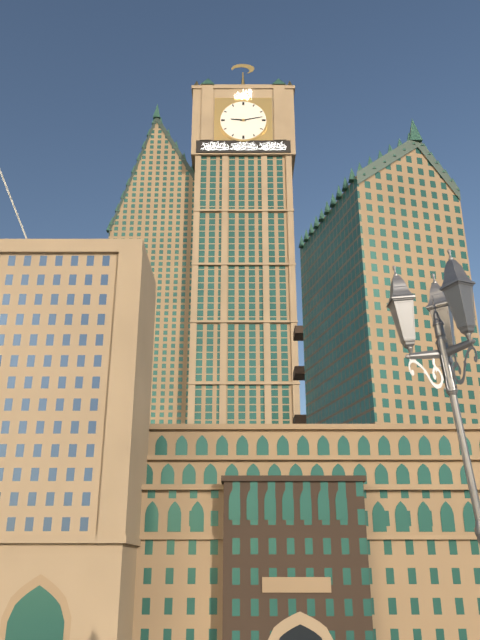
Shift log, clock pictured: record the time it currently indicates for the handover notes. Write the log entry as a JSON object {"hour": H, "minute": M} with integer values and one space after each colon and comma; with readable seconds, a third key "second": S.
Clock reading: {"hour": 9, "minute": 13}
